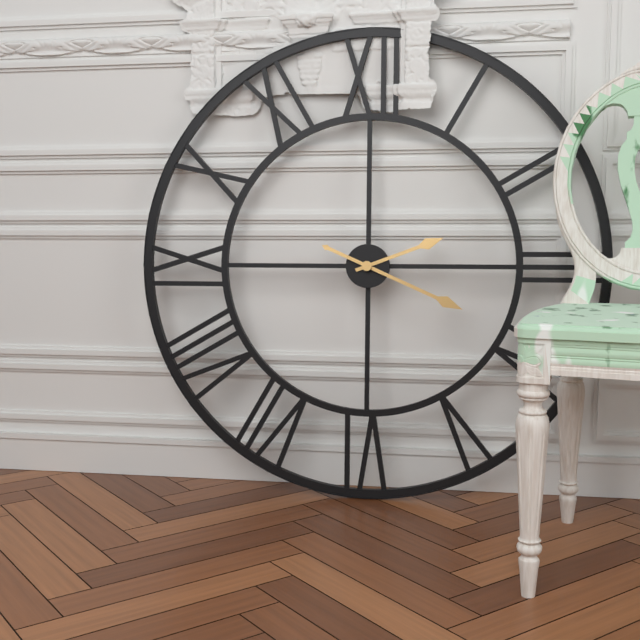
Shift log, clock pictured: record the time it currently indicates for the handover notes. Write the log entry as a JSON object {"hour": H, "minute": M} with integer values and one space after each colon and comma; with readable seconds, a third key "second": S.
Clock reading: {"hour": 2, "minute": 19}
